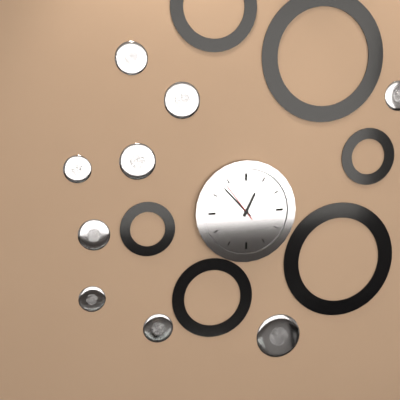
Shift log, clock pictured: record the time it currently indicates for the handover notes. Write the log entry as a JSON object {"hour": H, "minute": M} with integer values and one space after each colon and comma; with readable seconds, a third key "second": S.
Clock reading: {"hour": 12, "minute": 53}
